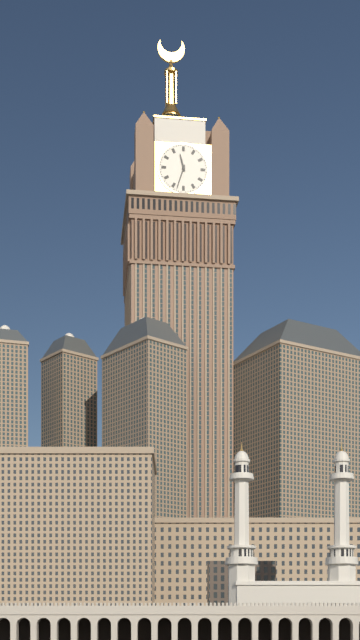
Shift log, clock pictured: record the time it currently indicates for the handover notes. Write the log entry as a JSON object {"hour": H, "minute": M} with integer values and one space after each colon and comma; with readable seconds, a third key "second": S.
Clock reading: {"hour": 11, "minute": 33}
